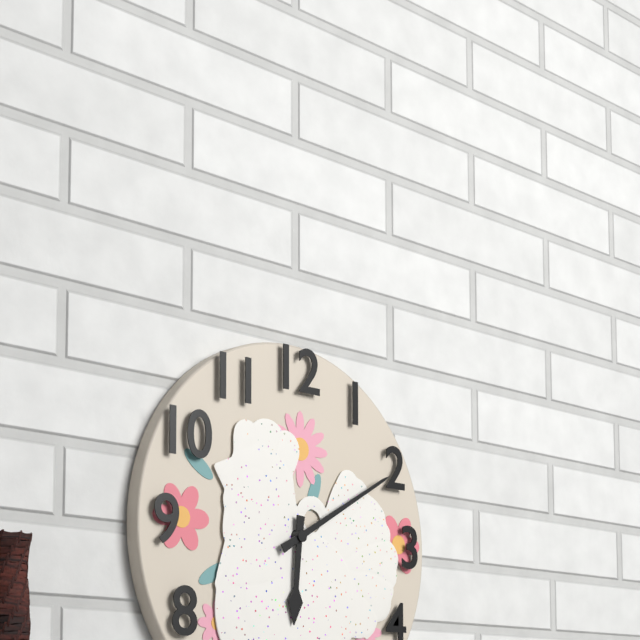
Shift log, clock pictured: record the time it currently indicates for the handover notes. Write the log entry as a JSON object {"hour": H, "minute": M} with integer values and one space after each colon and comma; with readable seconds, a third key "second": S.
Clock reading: {"hour": 6, "minute": 10}
